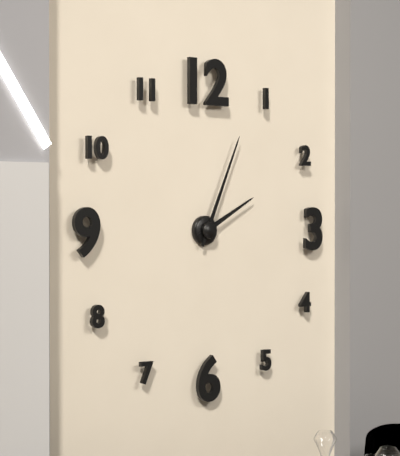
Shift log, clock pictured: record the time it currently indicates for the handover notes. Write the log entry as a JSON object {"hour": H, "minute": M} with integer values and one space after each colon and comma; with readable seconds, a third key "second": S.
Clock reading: {"hour": 2, "minute": 4}
